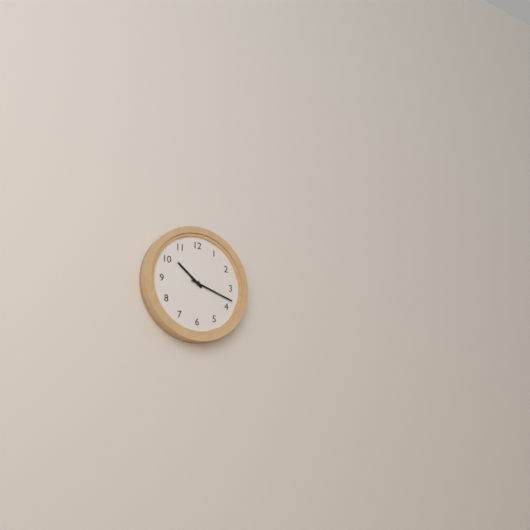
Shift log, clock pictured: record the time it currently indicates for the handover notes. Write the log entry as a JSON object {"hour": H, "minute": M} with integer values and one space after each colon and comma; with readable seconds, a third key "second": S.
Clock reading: {"hour": 10, "minute": 18}
